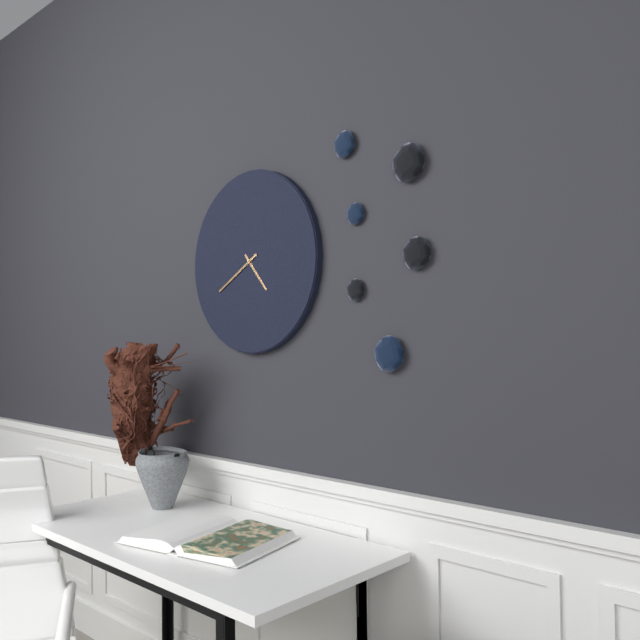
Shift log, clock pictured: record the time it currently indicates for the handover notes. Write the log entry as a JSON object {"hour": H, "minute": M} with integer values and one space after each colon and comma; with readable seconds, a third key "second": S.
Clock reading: {"hour": 4, "minute": 40}
